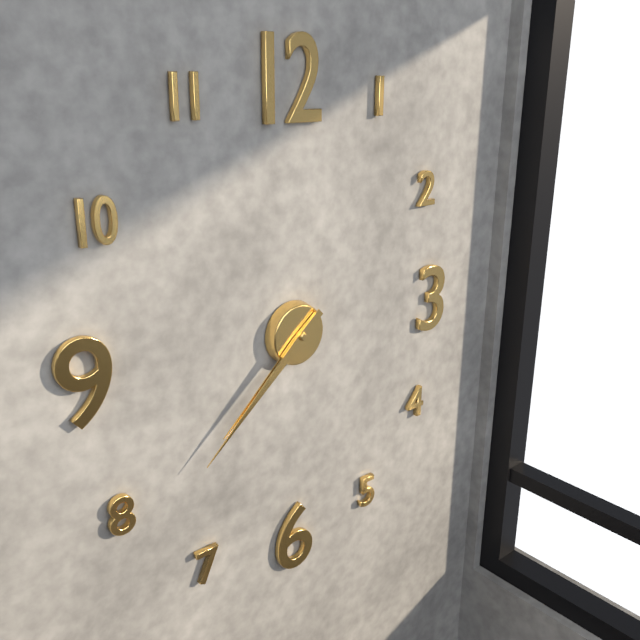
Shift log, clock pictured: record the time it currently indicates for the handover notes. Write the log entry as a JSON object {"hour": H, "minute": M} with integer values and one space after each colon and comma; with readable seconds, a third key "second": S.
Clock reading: {"hour": 7, "minute": 38}
